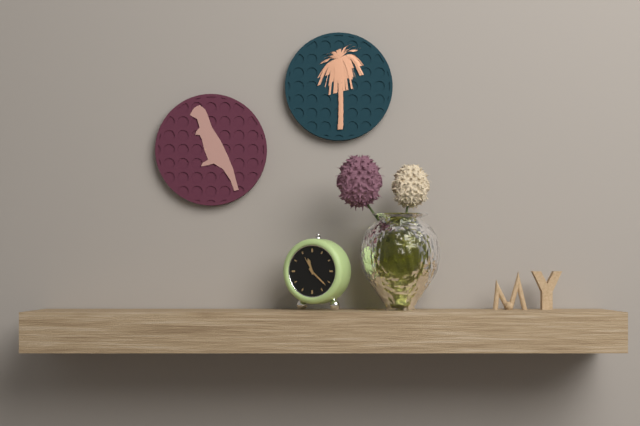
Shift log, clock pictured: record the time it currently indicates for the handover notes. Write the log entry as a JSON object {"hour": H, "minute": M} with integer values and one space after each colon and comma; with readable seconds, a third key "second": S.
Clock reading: {"hour": 11, "minute": 22}
